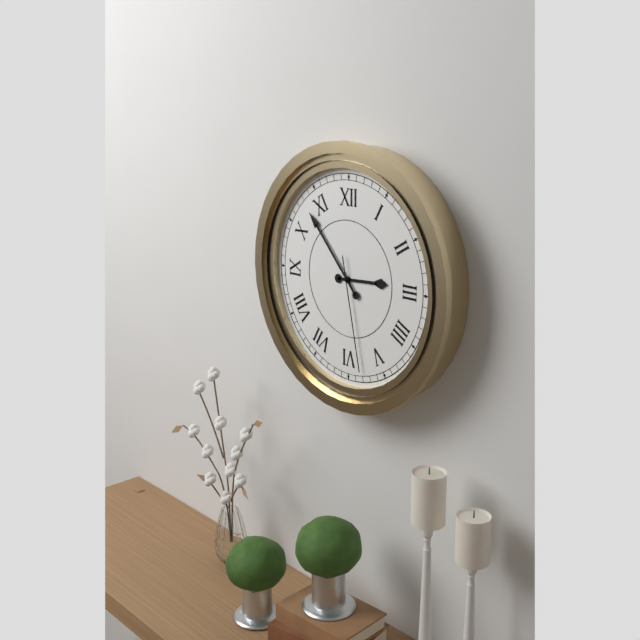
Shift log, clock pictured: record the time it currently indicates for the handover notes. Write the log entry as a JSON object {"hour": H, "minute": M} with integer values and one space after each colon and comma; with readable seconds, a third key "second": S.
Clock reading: {"hour": 2, "minute": 53, "second": 28}
